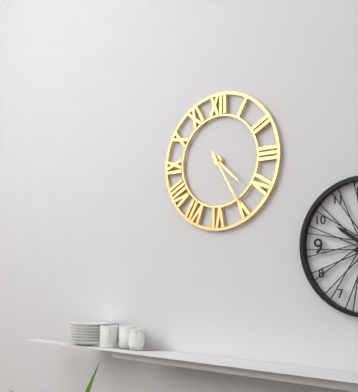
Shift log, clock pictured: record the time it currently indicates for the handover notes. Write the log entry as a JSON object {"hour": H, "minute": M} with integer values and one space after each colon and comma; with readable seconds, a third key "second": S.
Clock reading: {"hour": 4, "minute": 25}
